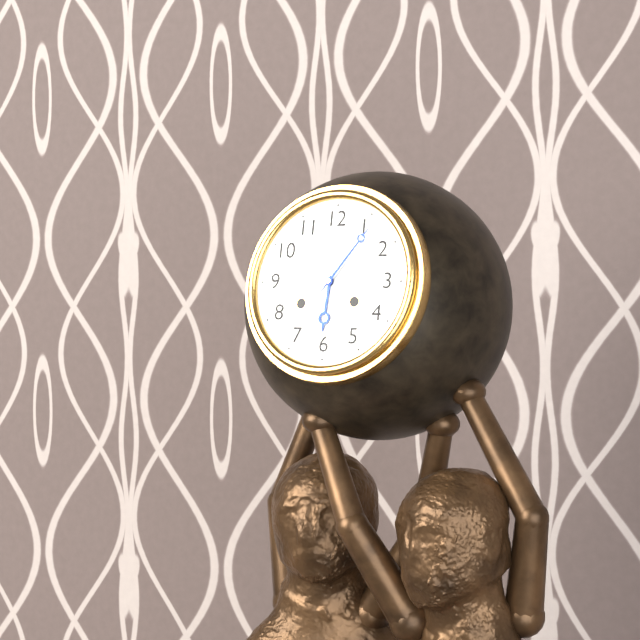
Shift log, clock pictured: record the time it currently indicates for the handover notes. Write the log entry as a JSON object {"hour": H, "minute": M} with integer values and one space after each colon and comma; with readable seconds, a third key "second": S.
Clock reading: {"hour": 6, "minute": 6}
